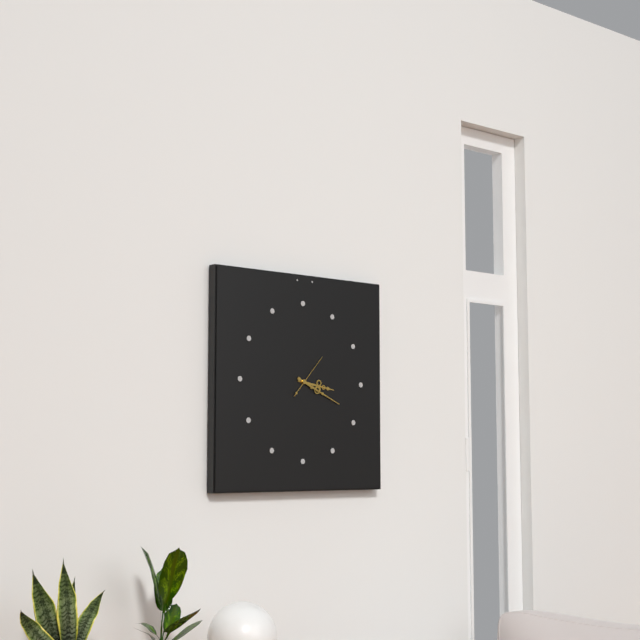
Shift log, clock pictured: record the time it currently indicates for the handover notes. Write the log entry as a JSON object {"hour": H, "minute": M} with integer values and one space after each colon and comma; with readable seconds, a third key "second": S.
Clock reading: {"hour": 3, "minute": 19}
